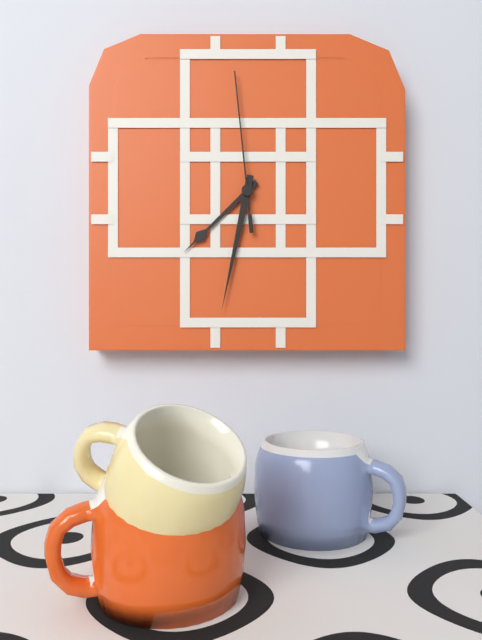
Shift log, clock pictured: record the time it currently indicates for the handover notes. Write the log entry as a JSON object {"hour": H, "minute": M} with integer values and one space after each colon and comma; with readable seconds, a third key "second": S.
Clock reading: {"hour": 7, "minute": 32, "second": 59}
